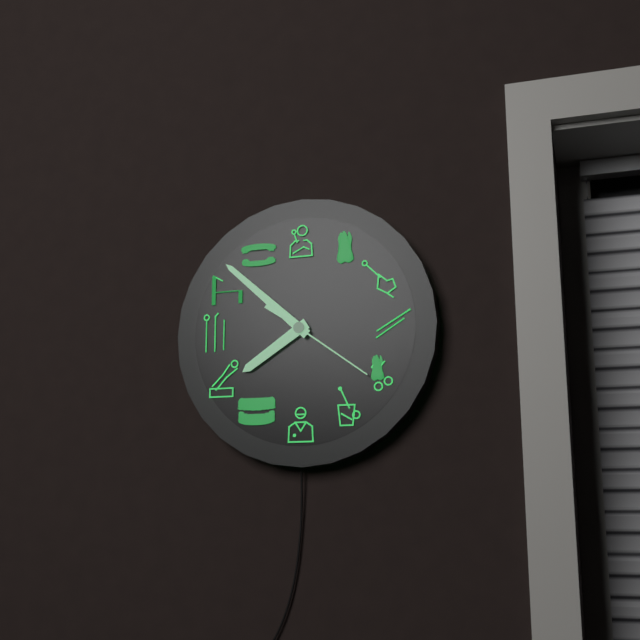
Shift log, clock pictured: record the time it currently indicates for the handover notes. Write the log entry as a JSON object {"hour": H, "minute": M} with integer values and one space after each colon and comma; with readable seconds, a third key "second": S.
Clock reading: {"hour": 7, "minute": 52, "second": 21}
